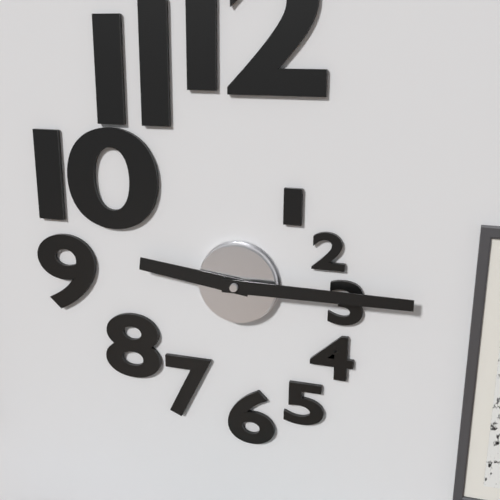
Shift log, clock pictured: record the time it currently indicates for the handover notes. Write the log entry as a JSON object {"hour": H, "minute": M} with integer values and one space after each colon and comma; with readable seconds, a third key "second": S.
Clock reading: {"hour": 9, "minute": 15}
